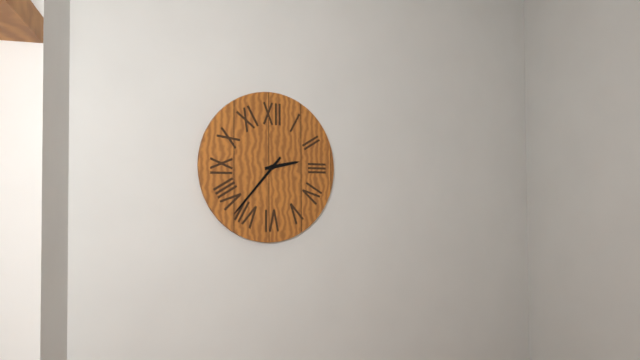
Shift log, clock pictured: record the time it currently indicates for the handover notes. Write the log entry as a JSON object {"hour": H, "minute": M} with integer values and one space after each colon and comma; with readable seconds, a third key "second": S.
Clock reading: {"hour": 2, "minute": 37}
